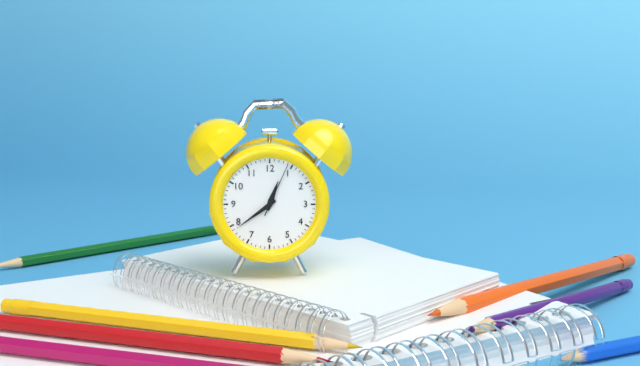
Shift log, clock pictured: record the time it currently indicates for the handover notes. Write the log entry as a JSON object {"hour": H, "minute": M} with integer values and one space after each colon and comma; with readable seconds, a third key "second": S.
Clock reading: {"hour": 12, "minute": 39, "second": 4}
